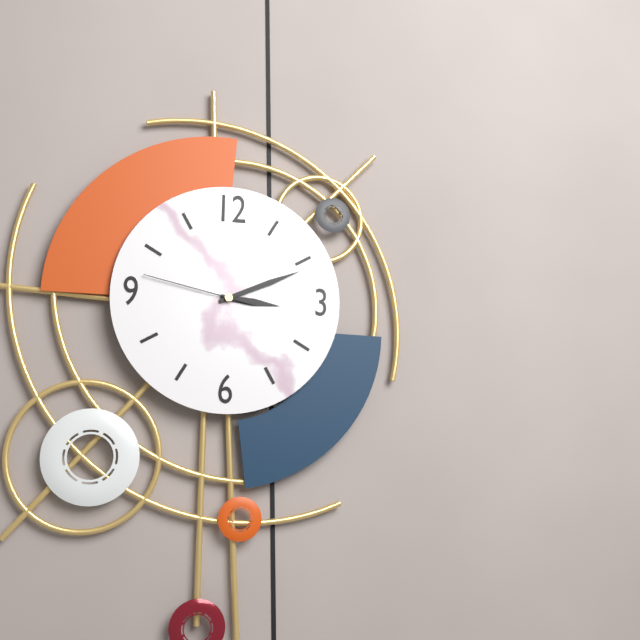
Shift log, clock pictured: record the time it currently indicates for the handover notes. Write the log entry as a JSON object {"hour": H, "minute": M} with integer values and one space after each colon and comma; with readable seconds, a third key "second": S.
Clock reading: {"hour": 3, "minute": 11, "second": 47}
